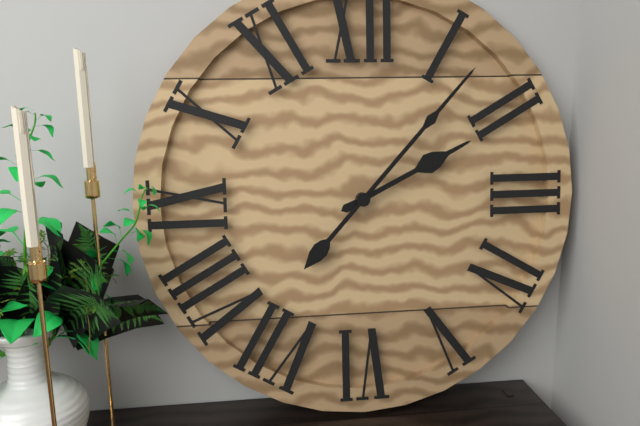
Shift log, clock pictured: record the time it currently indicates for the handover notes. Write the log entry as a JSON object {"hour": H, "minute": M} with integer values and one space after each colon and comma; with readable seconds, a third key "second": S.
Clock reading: {"hour": 2, "minute": 7}
